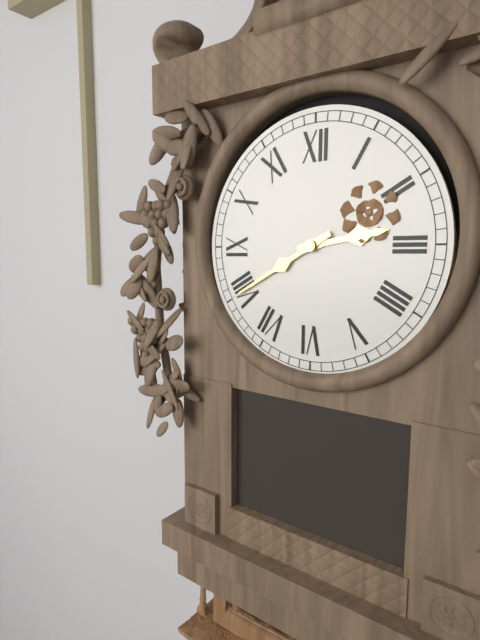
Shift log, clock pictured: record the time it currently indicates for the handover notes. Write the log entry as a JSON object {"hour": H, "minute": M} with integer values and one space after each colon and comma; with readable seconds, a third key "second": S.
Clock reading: {"hour": 2, "minute": 40}
